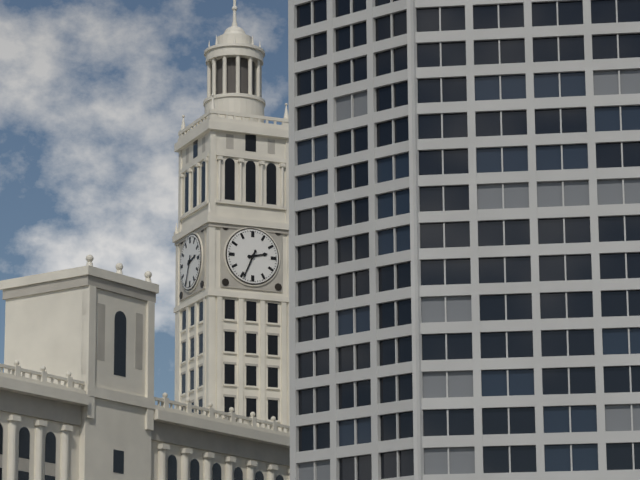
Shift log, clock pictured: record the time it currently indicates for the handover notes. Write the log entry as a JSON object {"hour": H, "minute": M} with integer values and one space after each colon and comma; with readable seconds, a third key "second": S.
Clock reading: {"hour": 2, "minute": 34}
